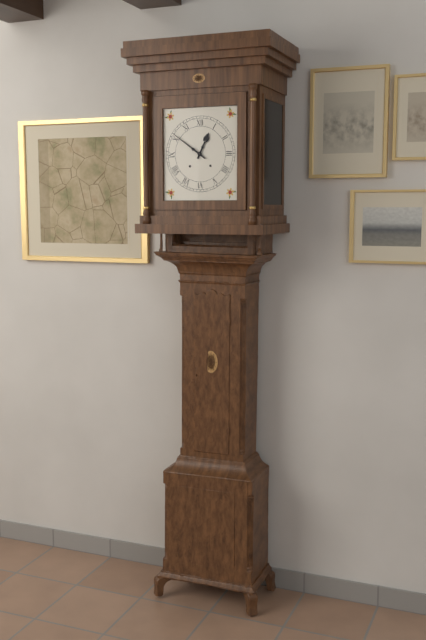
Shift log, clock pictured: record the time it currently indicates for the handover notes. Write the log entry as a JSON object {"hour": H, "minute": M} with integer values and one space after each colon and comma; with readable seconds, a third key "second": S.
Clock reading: {"hour": 12, "minute": 51}
